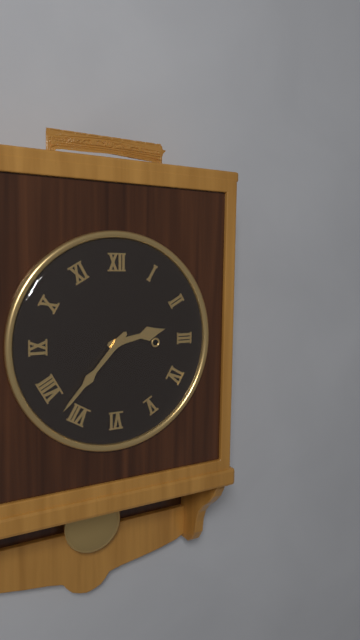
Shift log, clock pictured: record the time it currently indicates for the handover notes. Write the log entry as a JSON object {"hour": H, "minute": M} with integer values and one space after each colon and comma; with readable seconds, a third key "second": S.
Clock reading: {"hour": 2, "minute": 37}
